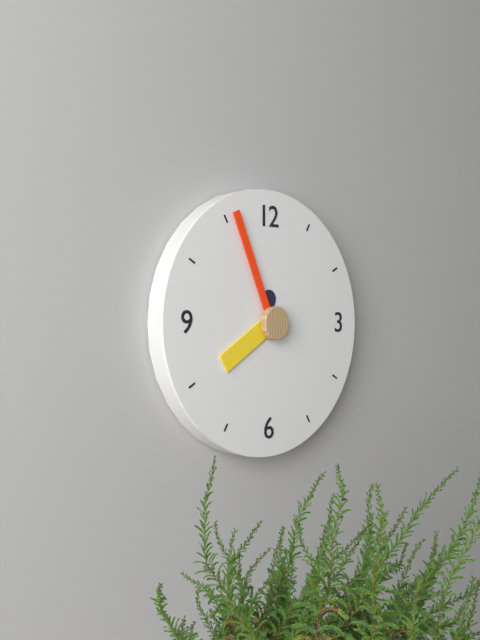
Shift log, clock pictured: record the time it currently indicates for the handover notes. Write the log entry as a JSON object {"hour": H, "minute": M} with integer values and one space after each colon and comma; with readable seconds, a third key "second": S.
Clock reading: {"hour": 7, "minute": 56}
